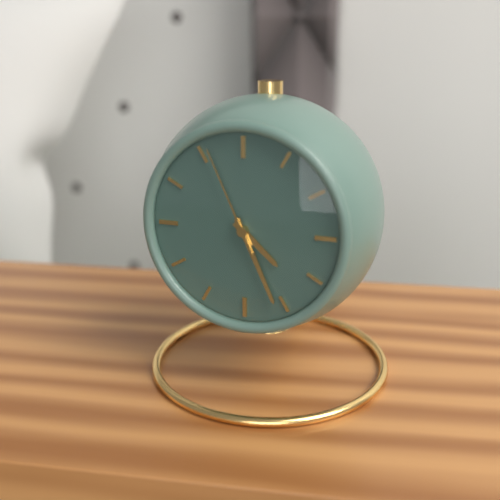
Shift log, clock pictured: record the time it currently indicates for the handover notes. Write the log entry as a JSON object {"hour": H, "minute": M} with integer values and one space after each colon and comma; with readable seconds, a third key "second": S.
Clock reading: {"hour": 4, "minute": 26, "second": 56}
